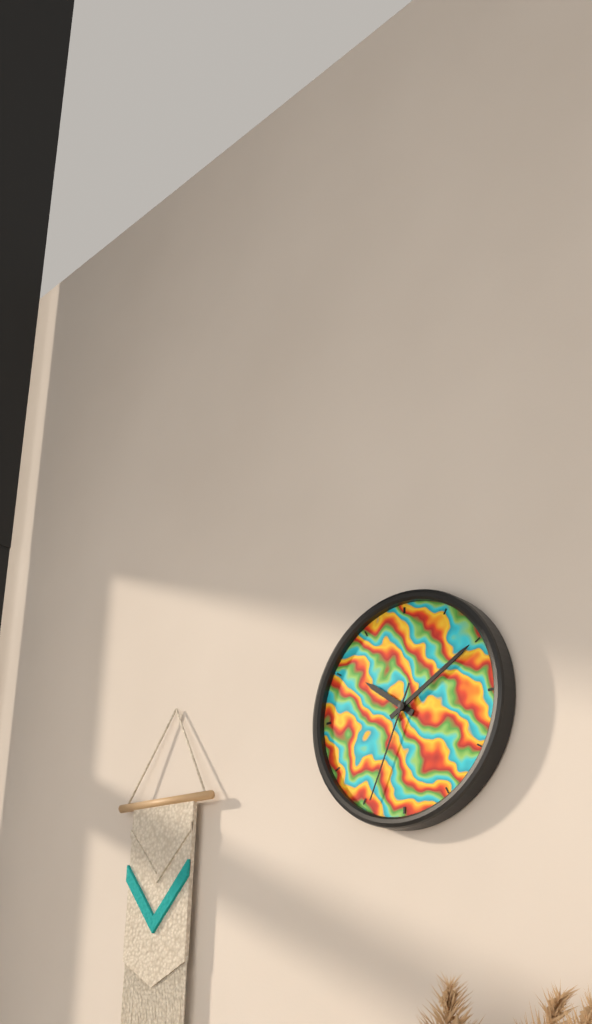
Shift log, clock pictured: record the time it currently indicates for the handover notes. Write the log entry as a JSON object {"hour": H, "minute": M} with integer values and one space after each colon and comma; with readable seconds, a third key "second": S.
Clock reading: {"hour": 10, "minute": 10, "second": 34}
